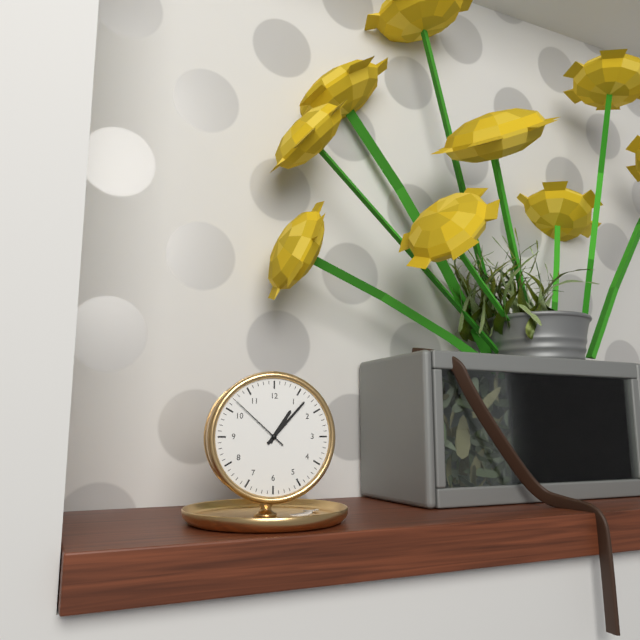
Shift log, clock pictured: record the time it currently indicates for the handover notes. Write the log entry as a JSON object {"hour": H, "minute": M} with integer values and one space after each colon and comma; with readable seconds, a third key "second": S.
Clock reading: {"hour": 1, "minute": 7, "second": 52}
